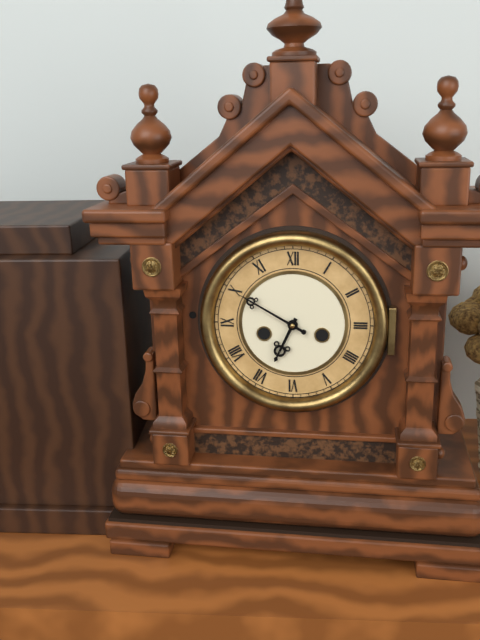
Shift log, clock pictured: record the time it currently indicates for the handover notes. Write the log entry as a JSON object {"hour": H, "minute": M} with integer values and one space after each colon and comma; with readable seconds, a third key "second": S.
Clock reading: {"hour": 6, "minute": 50}
